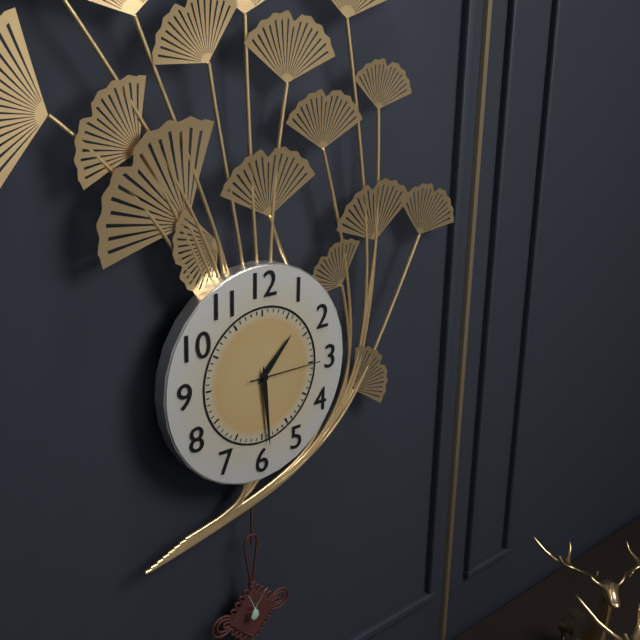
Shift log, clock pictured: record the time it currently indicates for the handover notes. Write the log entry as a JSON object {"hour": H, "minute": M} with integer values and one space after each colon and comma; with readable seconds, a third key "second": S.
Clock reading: {"hour": 1, "minute": 29, "second": 15}
